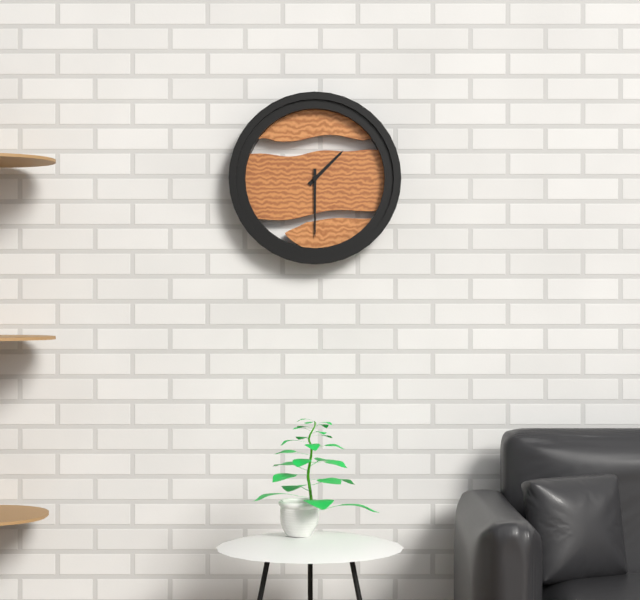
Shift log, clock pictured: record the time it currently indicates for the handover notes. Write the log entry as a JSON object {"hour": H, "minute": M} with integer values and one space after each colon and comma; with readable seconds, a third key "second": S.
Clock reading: {"hour": 1, "minute": 30}
